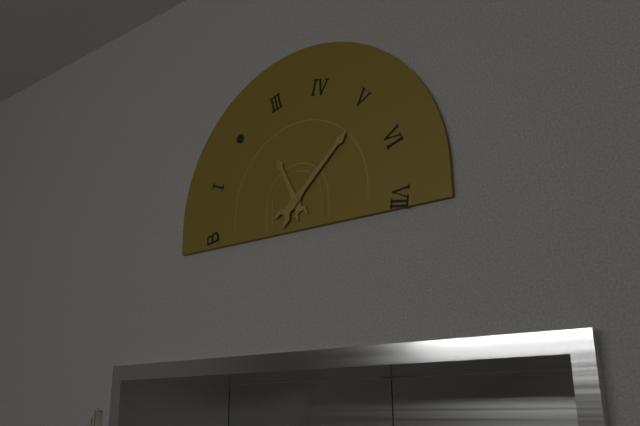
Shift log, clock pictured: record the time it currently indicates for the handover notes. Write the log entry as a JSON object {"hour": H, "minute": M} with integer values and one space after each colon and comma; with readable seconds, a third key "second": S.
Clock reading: {"hour": 11, "minute": 8}
